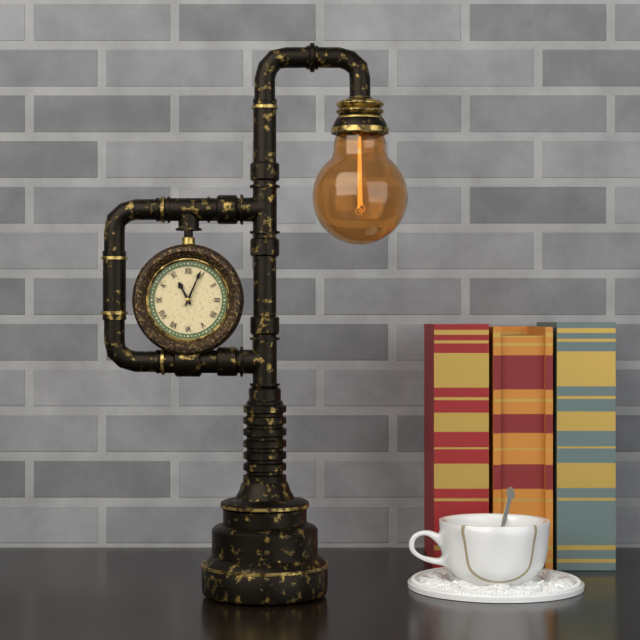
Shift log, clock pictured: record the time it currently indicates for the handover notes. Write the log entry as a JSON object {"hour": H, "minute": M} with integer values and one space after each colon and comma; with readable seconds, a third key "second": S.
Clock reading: {"hour": 11, "minute": 4}
